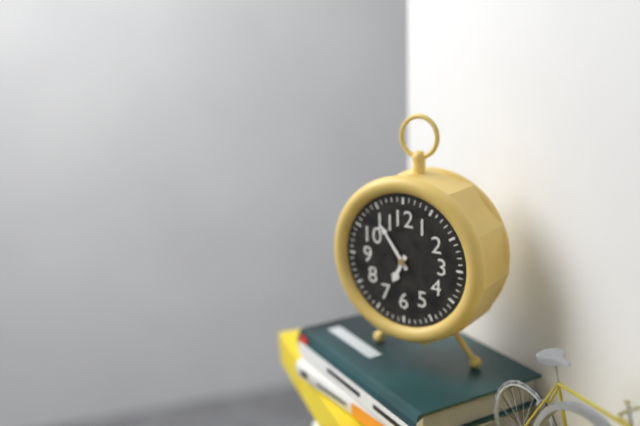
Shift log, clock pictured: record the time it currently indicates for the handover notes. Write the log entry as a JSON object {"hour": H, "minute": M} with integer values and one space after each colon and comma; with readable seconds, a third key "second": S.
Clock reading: {"hour": 6, "minute": 54}
